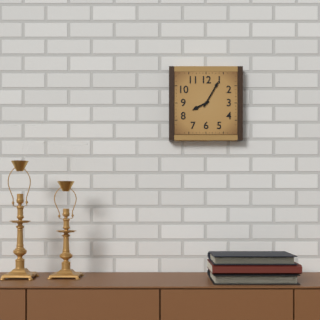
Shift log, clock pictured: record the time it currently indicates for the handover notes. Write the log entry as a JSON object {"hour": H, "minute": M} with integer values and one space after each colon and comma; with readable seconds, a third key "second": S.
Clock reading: {"hour": 8, "minute": 5}
